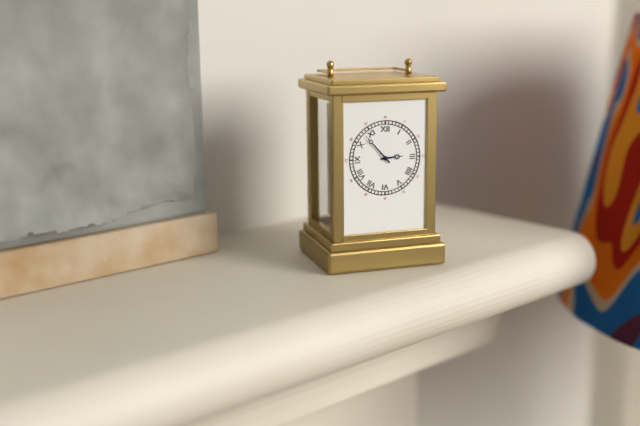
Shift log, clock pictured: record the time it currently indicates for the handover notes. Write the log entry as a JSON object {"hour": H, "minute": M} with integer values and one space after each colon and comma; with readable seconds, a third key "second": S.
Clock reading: {"hour": 2, "minute": 53}
